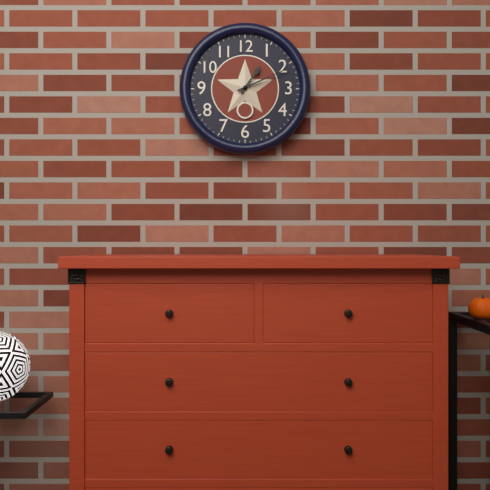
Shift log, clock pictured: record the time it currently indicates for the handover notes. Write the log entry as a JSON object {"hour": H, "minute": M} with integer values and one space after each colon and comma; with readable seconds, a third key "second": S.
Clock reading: {"hour": 1, "minute": 11}
